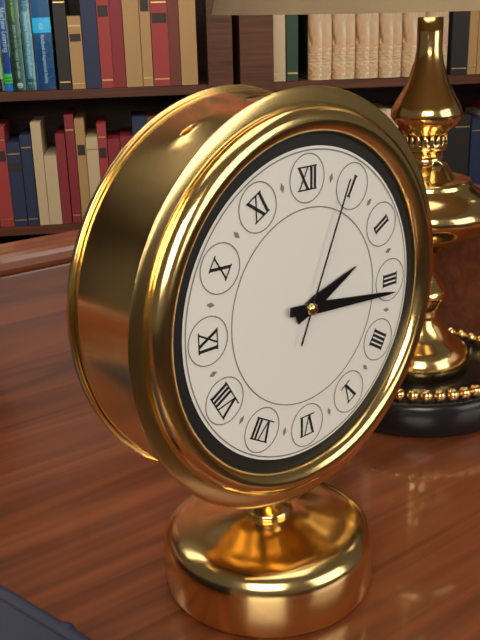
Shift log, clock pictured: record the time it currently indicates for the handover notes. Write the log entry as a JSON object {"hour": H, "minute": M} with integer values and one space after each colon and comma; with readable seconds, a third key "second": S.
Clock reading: {"hour": 2, "minute": 16, "second": 4}
